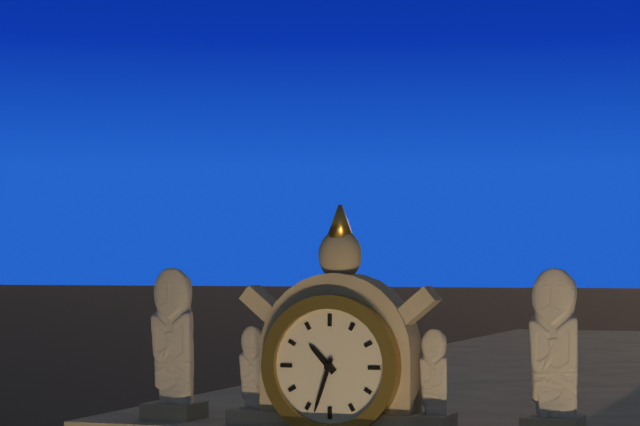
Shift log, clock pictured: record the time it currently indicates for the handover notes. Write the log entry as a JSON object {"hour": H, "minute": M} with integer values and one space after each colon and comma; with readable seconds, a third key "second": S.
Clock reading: {"hour": 10, "minute": 33}
